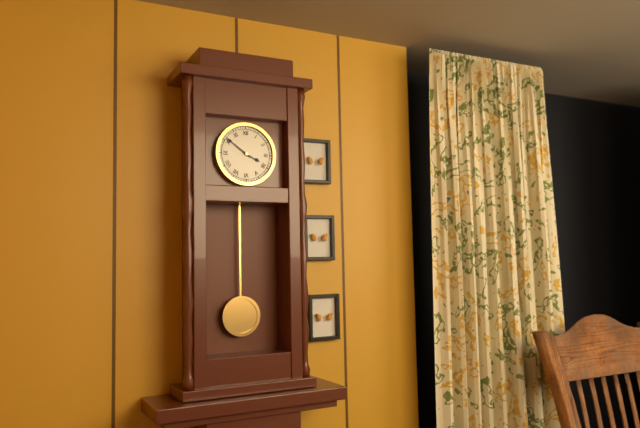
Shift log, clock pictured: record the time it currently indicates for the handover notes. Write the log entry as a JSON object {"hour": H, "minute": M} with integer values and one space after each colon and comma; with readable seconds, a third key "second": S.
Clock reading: {"hour": 3, "minute": 51}
